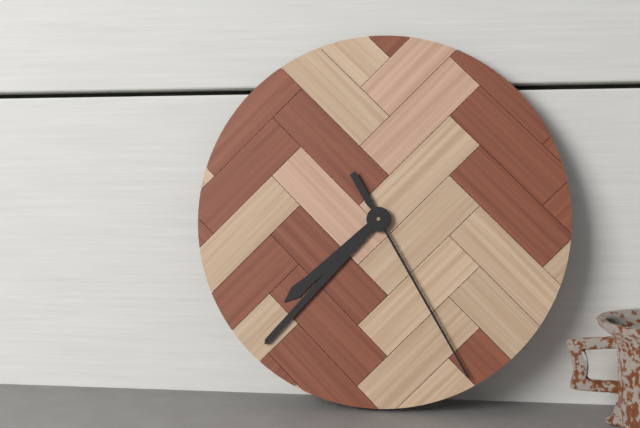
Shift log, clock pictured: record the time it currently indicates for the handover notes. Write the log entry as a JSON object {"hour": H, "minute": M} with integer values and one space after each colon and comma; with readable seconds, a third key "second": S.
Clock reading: {"hour": 7, "minute": 37, "second": 25}
